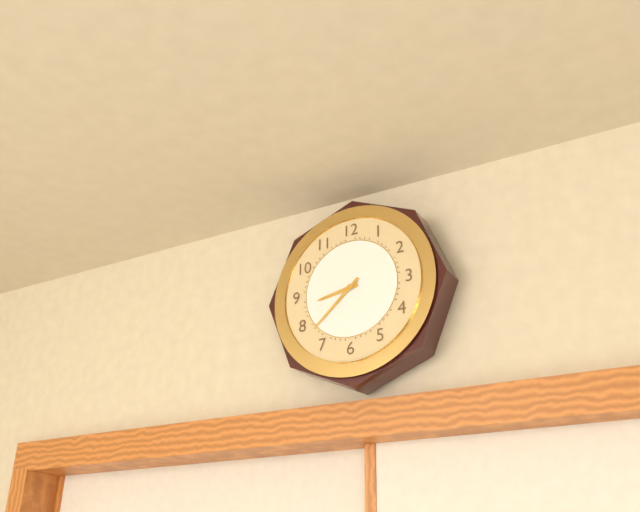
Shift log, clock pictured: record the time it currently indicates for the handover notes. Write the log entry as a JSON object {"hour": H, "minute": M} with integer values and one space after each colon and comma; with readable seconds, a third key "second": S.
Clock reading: {"hour": 8, "minute": 38}
